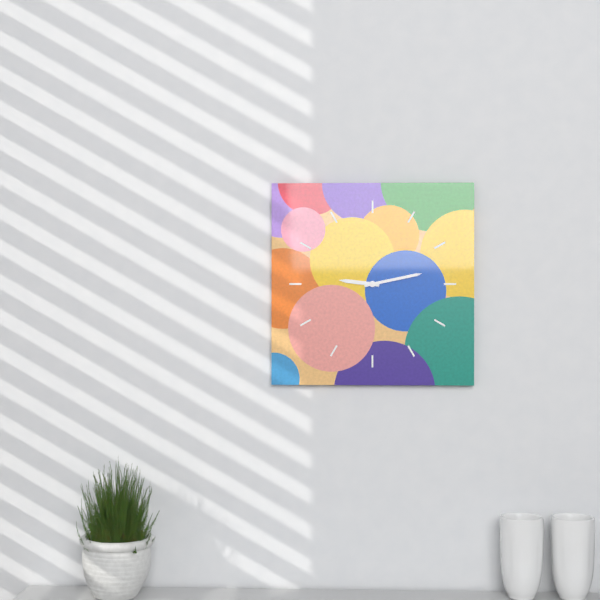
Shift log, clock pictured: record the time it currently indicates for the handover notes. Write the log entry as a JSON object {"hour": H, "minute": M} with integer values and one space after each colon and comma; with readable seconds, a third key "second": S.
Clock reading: {"hour": 9, "minute": 13}
